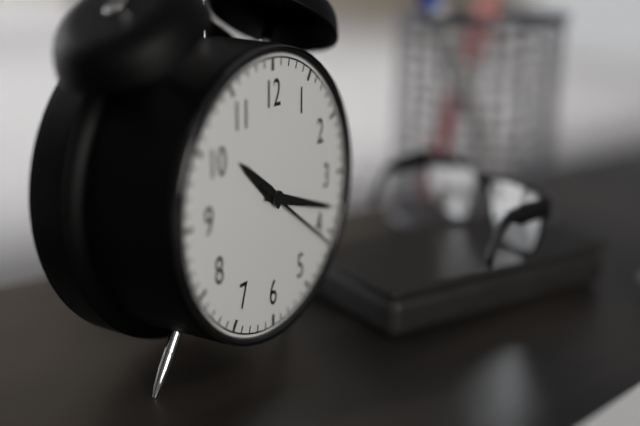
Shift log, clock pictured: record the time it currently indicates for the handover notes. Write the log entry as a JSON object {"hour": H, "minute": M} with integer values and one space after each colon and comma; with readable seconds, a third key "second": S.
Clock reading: {"hour": 10, "minute": 18, "second": 21}
